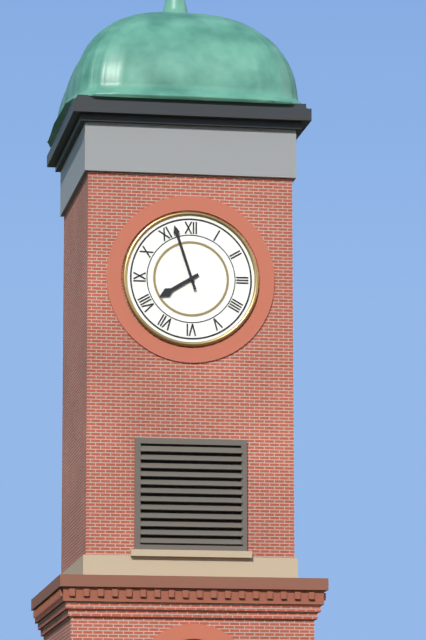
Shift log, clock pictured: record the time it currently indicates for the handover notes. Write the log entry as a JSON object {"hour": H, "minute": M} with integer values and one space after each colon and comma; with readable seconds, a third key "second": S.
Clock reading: {"hour": 7, "minute": 57}
